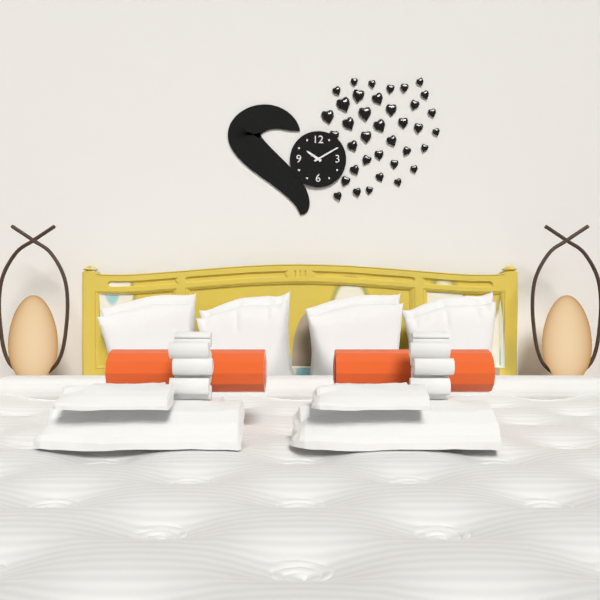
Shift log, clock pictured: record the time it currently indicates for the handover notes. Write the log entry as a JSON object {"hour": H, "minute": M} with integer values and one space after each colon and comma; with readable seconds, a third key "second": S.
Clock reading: {"hour": 10, "minute": 10}
